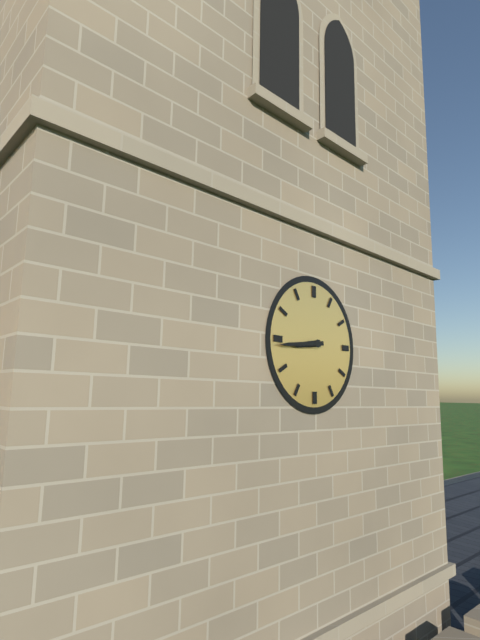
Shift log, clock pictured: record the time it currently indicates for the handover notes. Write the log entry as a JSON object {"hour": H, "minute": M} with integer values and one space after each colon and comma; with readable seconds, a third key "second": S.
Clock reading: {"hour": 8, "minute": 44}
